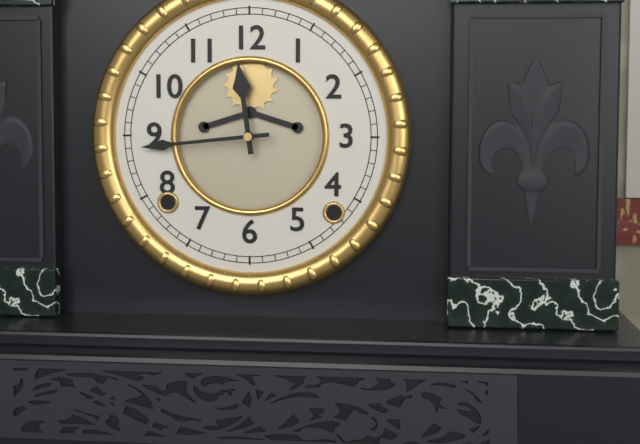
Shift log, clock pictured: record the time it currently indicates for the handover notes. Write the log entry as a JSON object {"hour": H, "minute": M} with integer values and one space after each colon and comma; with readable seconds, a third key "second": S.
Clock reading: {"hour": 11, "minute": 44}
